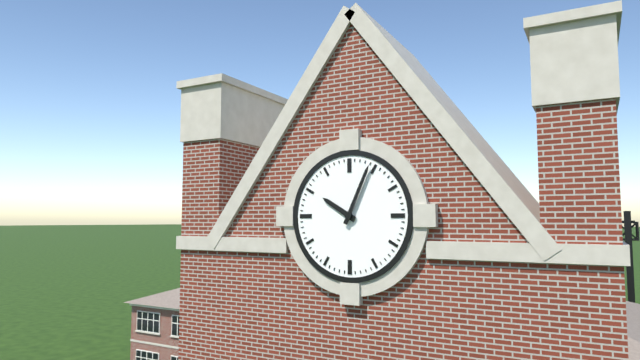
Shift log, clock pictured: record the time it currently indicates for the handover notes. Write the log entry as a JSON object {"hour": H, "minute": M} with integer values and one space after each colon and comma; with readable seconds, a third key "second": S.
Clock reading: {"hour": 10, "minute": 4}
